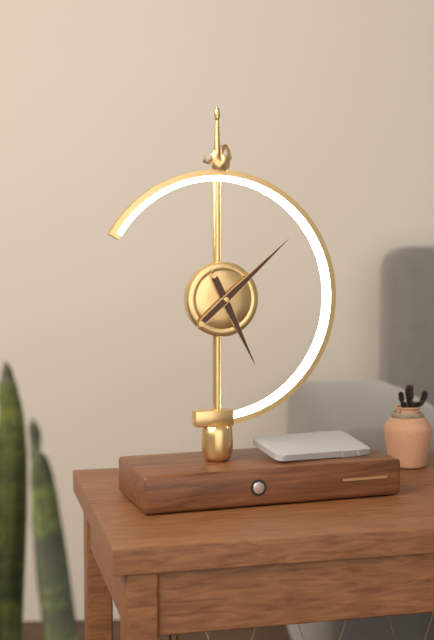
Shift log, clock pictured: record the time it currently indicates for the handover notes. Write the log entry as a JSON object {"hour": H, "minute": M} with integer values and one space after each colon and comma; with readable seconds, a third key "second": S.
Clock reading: {"hour": 5, "minute": 8}
